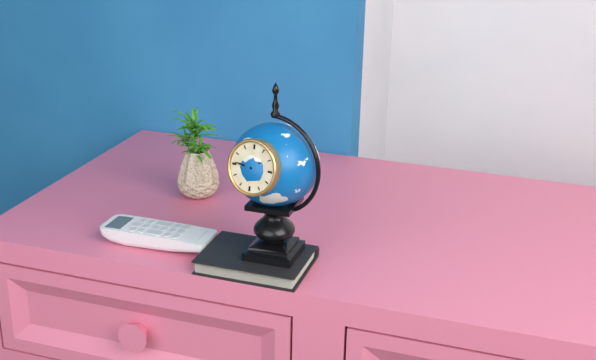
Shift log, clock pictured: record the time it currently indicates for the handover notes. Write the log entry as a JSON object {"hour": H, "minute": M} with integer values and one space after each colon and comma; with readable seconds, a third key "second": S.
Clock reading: {"hour": 1, "minute": 46}
